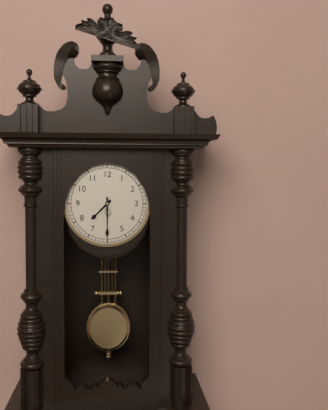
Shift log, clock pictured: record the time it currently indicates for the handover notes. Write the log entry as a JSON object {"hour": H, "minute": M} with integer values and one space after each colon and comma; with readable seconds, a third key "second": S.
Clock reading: {"hour": 7, "minute": 30}
